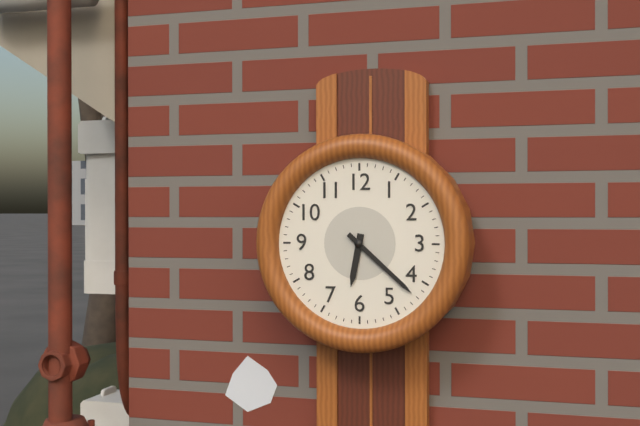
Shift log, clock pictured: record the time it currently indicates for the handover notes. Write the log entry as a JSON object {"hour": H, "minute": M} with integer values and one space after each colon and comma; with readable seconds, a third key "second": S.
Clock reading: {"hour": 6, "minute": 22}
